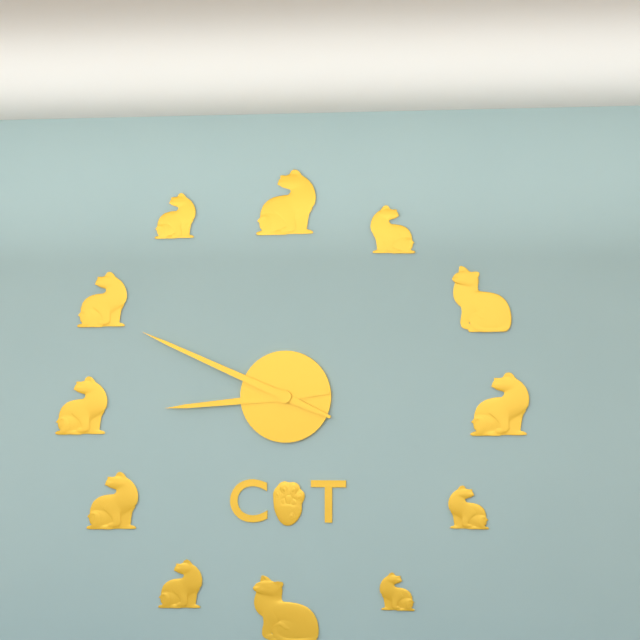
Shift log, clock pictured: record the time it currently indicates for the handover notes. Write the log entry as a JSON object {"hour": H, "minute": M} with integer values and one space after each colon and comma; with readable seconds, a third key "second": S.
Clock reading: {"hour": 8, "minute": 49}
